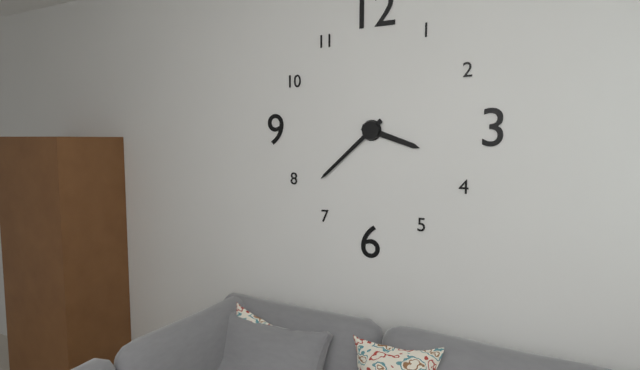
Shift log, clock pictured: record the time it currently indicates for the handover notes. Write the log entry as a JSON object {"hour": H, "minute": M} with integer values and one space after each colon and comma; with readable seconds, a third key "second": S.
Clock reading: {"hour": 3, "minute": 38}
